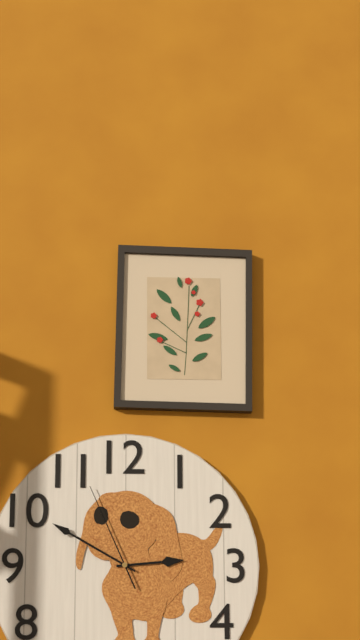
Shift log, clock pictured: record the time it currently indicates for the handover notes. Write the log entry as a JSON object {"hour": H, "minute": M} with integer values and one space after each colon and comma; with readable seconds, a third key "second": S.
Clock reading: {"hour": 2, "minute": 50, "second": 56}
